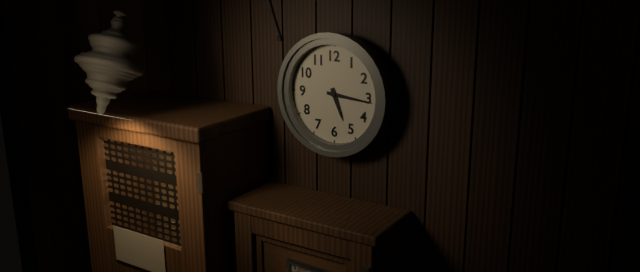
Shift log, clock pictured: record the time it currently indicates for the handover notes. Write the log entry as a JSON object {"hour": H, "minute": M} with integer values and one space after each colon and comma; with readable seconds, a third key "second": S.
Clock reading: {"hour": 5, "minute": 16}
